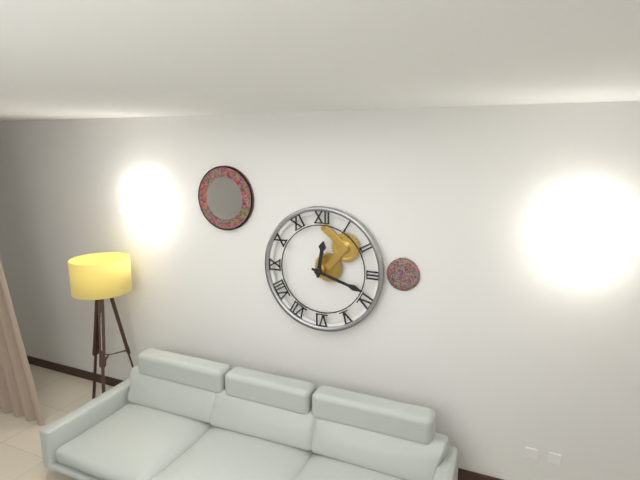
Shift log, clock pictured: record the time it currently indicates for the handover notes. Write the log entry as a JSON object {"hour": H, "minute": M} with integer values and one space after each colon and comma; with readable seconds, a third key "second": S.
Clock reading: {"hour": 12, "minute": 18}
